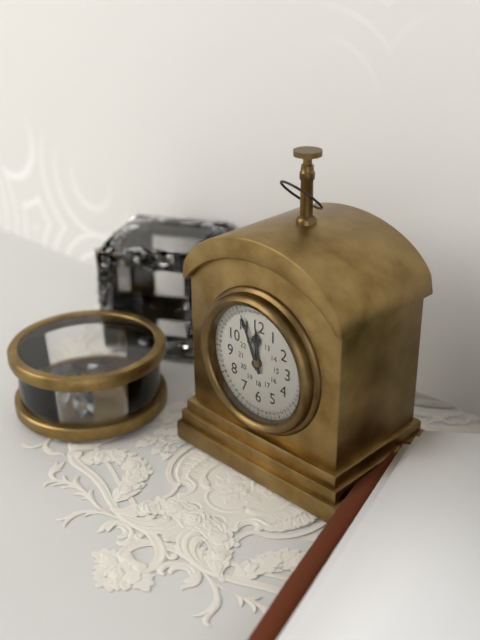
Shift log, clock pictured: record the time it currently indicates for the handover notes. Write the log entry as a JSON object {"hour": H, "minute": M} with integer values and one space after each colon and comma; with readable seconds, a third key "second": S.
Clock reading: {"hour": 11, "minute": 56}
